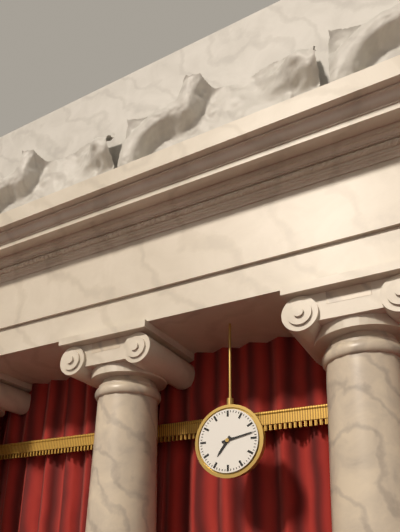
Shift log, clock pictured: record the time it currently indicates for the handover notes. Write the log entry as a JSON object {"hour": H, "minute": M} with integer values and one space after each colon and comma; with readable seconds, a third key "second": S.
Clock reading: {"hour": 7, "minute": 13}
